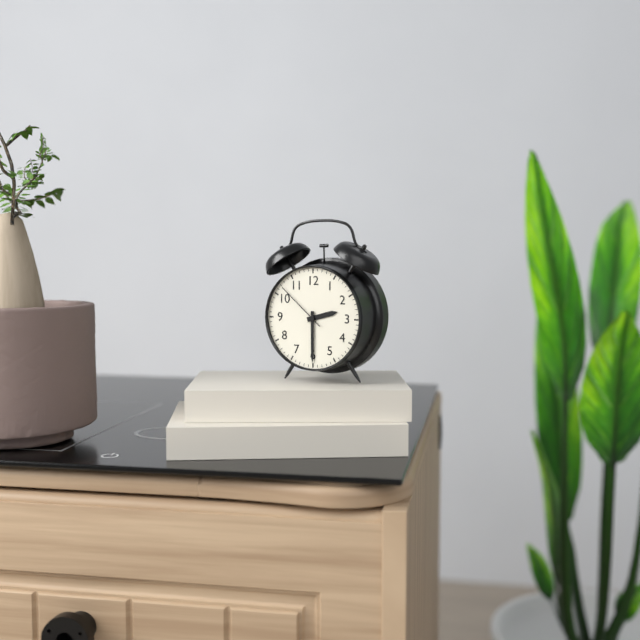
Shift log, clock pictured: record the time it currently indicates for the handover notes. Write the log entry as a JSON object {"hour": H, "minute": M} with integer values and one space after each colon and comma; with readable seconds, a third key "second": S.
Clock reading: {"hour": 2, "minute": 30, "second": 52}
